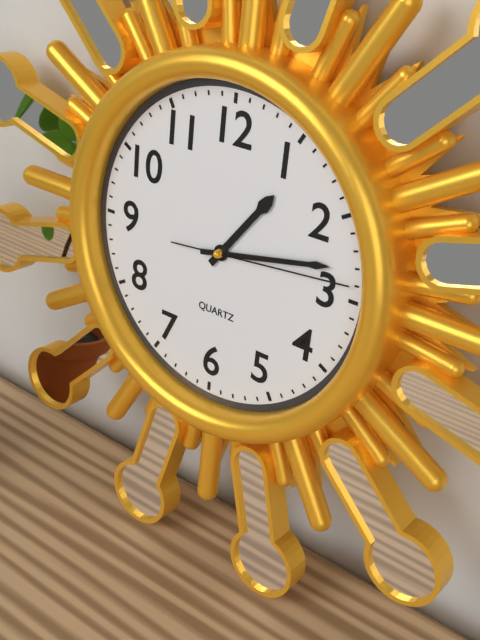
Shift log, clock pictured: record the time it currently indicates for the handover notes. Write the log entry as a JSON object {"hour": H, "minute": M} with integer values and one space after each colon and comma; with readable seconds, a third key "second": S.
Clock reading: {"hour": 1, "minute": 13, "second": 14}
